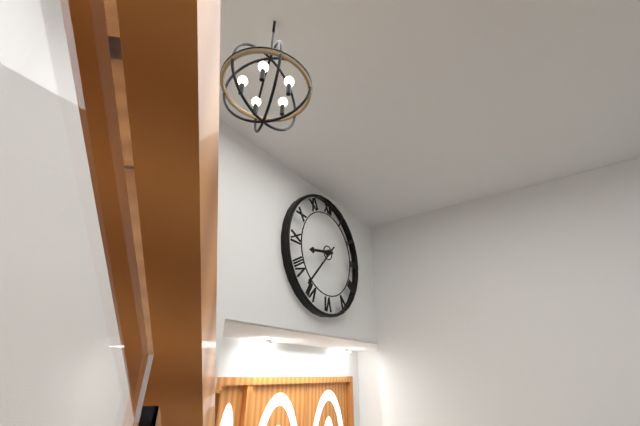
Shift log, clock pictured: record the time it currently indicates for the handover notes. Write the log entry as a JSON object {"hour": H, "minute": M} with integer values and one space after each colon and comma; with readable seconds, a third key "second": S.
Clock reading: {"hour": 8, "minute": 37}
